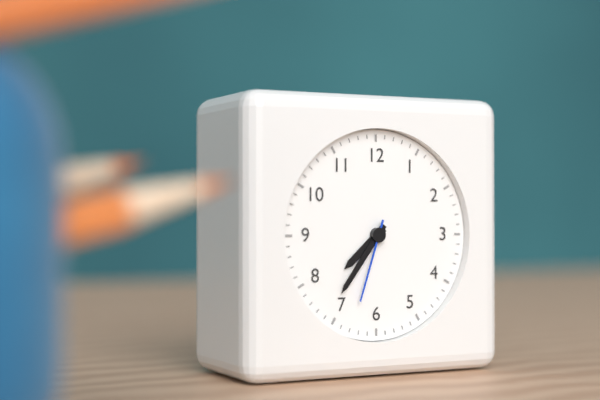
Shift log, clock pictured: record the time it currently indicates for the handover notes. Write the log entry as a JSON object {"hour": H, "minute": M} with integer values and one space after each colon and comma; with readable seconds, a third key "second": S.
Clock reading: {"hour": 7, "minute": 36, "second": 33}
